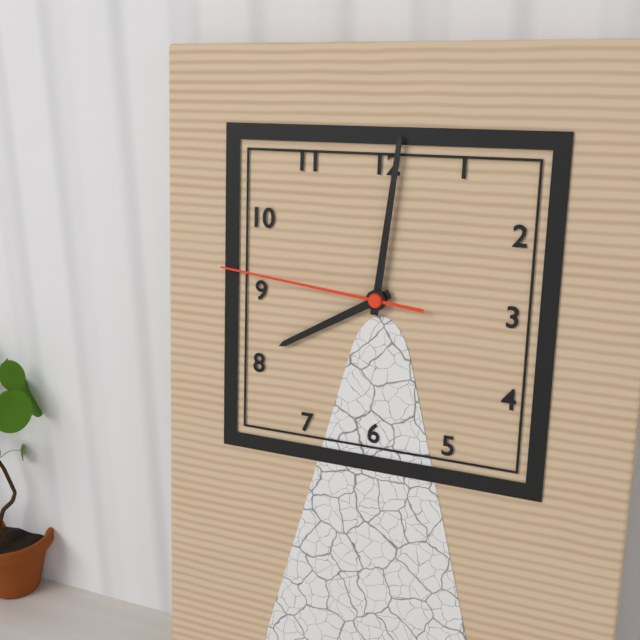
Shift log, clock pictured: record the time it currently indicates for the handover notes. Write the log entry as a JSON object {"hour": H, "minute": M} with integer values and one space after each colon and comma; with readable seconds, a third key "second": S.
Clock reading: {"hour": 8, "minute": 1, "second": 46}
